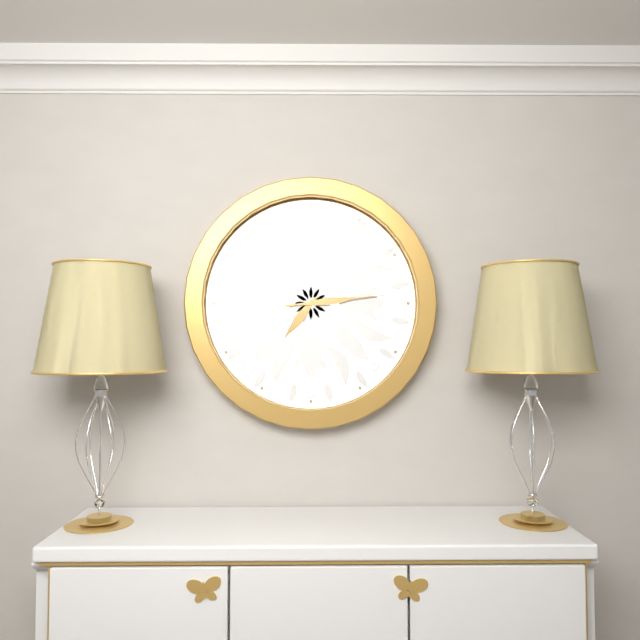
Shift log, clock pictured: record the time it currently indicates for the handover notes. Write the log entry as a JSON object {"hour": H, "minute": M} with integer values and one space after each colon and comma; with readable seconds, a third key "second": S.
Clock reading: {"hour": 7, "minute": 14}
